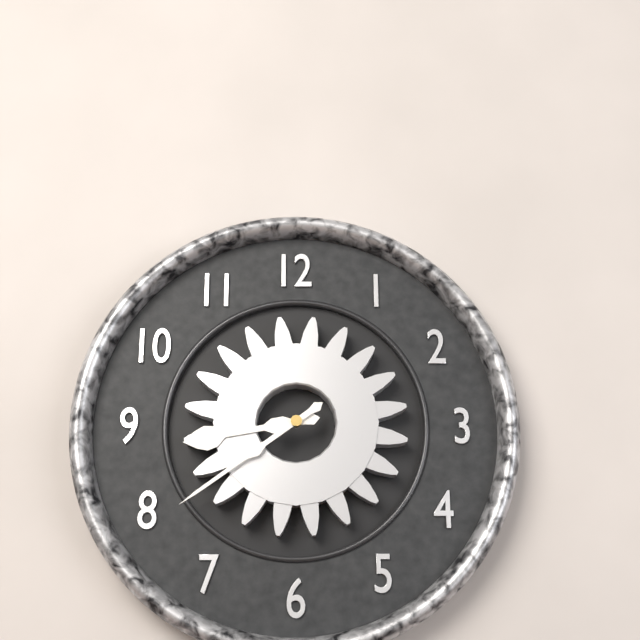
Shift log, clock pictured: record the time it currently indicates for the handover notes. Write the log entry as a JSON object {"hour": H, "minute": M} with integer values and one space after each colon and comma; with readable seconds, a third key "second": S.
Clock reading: {"hour": 8, "minute": 39}
